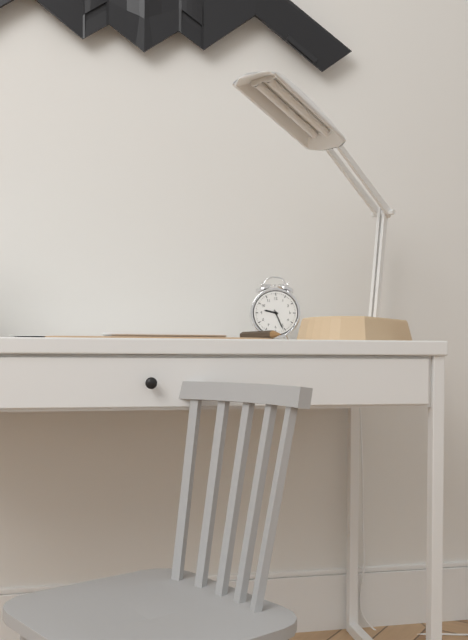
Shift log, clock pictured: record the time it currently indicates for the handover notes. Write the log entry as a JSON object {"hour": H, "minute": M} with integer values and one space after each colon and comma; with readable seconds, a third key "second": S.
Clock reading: {"hour": 9, "minute": 26}
